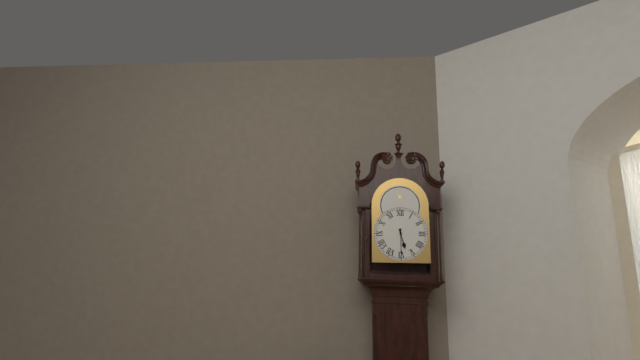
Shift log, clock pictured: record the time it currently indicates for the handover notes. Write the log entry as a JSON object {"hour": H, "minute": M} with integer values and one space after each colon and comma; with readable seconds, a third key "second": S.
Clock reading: {"hour": 5, "minute": 30}
